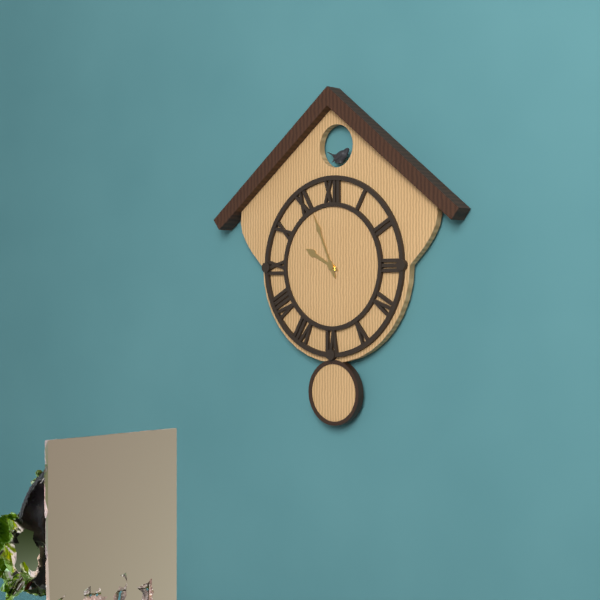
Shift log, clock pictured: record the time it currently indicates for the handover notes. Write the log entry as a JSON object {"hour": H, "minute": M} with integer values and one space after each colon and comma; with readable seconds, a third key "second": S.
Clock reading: {"hour": 9, "minute": 56}
